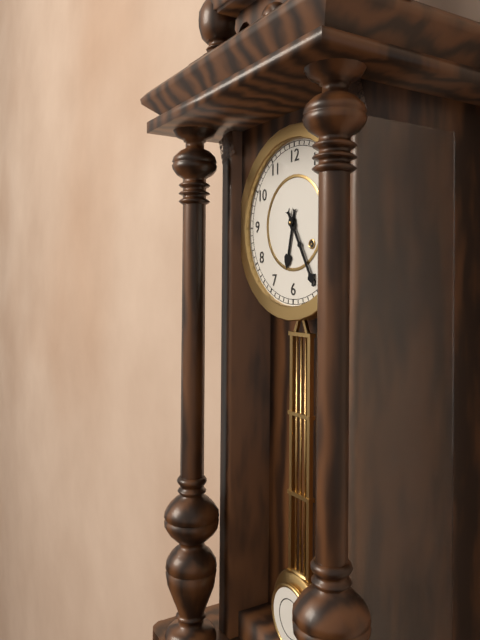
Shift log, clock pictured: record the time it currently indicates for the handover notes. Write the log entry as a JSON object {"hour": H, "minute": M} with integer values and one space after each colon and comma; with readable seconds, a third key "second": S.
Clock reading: {"hour": 6, "minute": 25}
